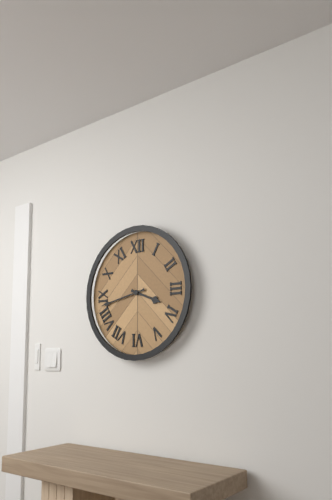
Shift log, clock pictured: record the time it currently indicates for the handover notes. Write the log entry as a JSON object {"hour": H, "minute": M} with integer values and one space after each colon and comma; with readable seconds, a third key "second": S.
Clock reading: {"hour": 3, "minute": 43}
